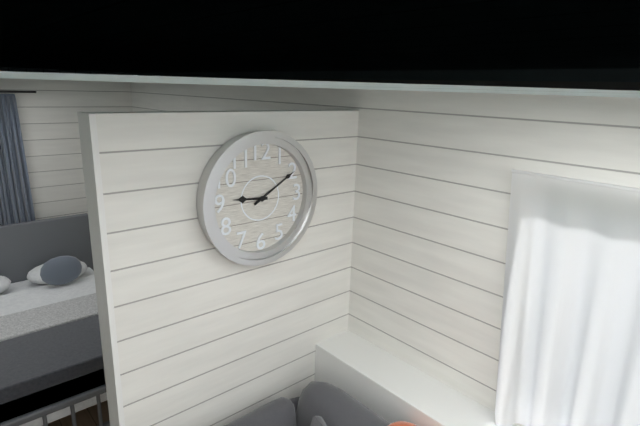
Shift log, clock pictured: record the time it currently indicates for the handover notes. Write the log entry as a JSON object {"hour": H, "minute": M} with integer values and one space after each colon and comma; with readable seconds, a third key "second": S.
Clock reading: {"hour": 9, "minute": 10}
